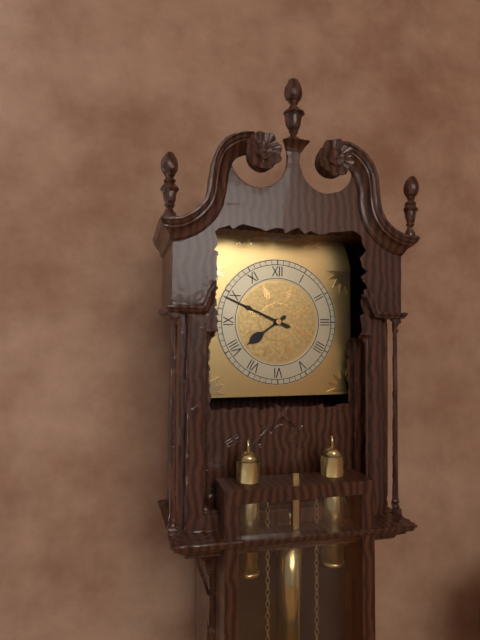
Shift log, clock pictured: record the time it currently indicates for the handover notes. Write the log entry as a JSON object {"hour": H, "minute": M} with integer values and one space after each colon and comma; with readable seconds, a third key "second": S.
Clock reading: {"hour": 7, "minute": 49}
